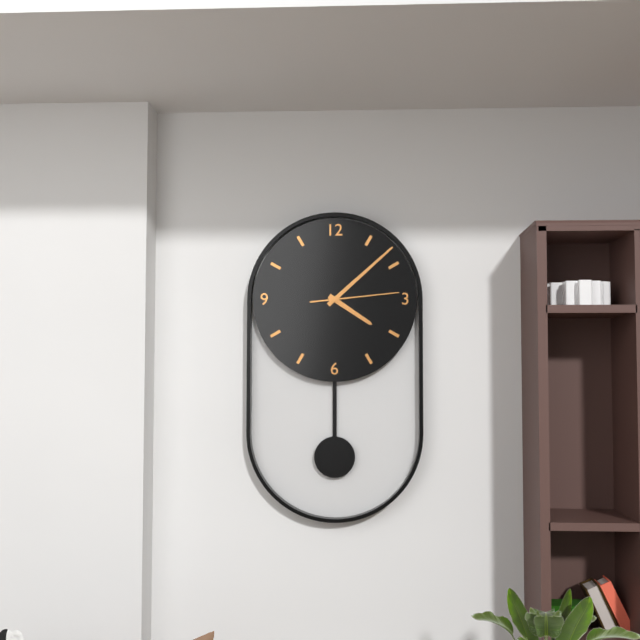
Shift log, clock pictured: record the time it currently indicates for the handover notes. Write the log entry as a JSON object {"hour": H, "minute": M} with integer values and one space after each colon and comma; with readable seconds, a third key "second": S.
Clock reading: {"hour": 4, "minute": 8, "second": 14}
